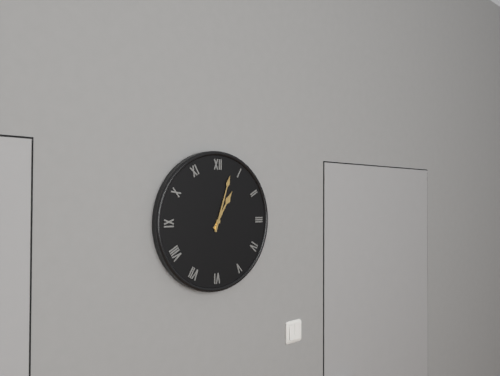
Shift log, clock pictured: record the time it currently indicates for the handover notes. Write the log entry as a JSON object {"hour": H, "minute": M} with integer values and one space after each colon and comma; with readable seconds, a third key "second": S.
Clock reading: {"hour": 1, "minute": 3}
